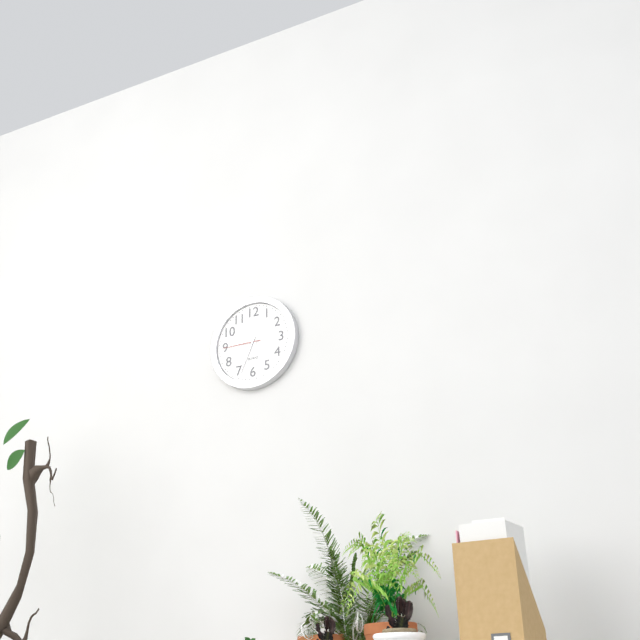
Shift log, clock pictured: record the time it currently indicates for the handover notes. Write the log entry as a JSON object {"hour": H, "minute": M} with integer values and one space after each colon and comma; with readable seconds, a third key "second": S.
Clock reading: {"hour": 10, "minute": 34}
